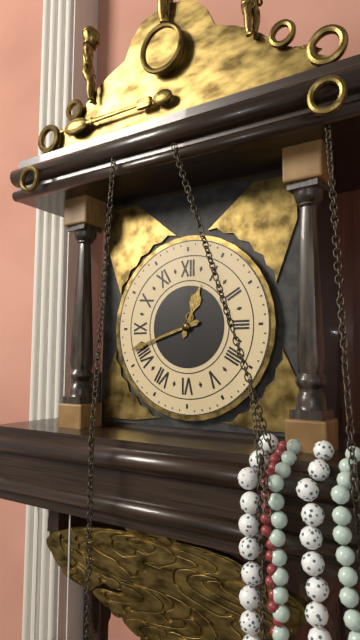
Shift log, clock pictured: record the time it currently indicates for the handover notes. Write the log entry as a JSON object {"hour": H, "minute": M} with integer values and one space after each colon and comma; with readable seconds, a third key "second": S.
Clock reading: {"hour": 12, "minute": 42}
